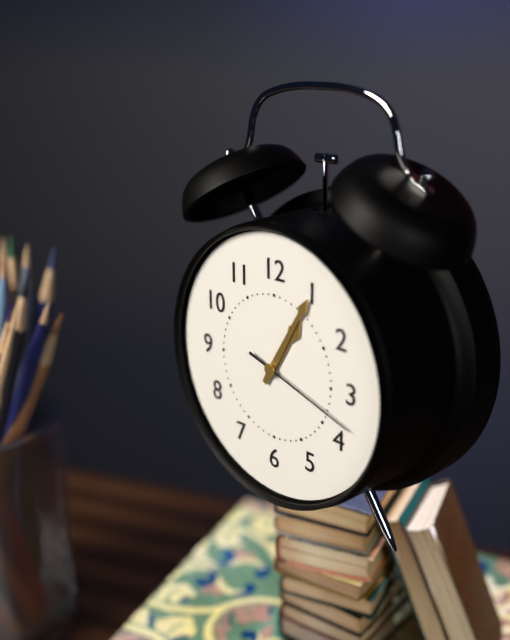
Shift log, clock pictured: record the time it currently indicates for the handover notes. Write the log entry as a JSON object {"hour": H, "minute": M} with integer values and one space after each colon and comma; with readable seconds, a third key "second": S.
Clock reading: {"hour": 1, "minute": 5, "second": 18}
